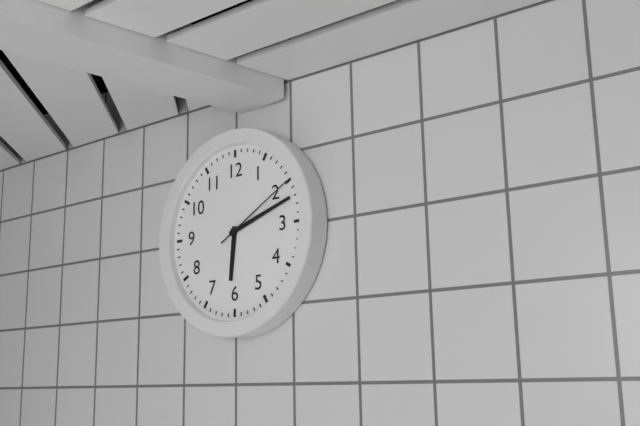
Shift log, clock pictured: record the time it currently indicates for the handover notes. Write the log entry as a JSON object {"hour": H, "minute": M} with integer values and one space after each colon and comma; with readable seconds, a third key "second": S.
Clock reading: {"hour": 6, "minute": 12, "second": 10}
